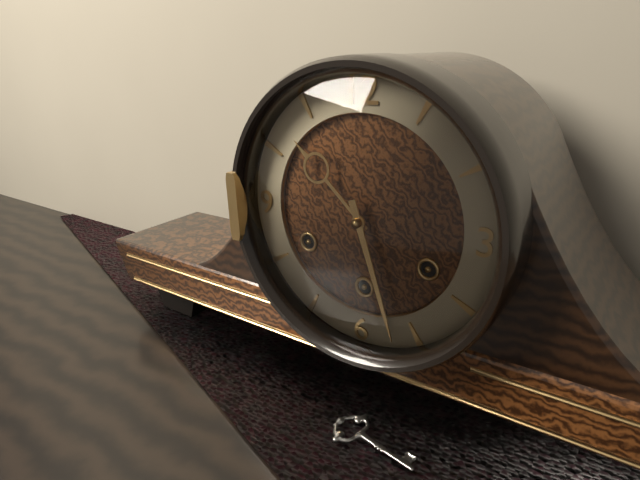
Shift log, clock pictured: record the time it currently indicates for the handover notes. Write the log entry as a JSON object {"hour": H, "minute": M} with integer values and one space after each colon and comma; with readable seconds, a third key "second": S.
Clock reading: {"hour": 10, "minute": 27}
